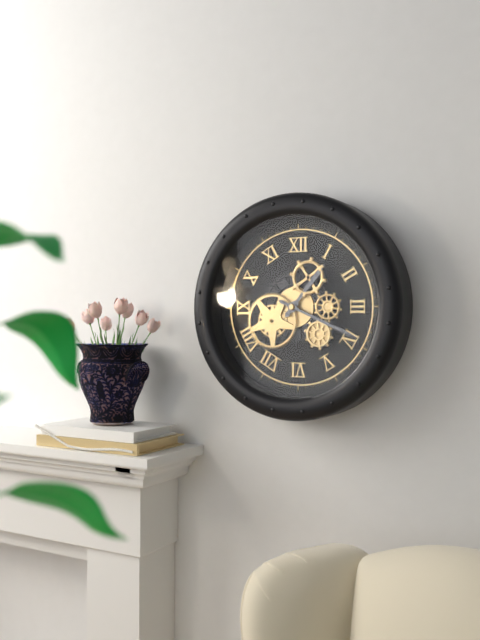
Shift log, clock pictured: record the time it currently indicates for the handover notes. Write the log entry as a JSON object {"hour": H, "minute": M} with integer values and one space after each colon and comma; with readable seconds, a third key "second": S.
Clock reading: {"hour": 1, "minute": 19}
